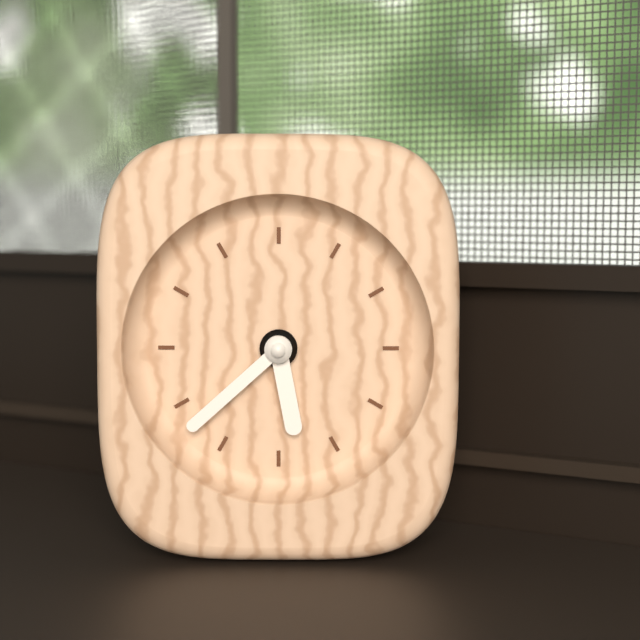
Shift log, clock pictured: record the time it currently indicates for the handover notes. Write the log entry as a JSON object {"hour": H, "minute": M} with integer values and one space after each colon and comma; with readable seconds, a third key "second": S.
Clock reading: {"hour": 5, "minute": 38}
